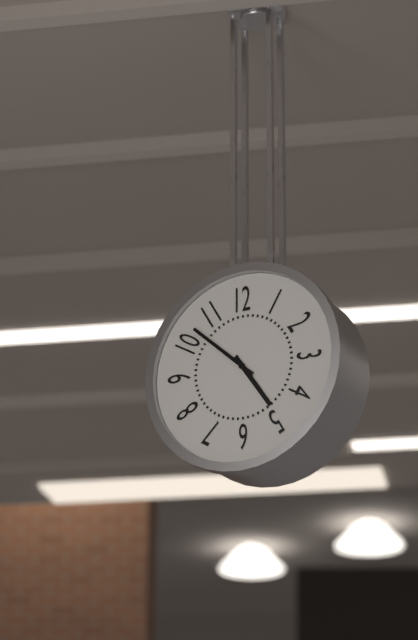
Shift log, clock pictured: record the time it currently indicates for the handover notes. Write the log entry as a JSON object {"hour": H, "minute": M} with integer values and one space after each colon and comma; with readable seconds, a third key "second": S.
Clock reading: {"hour": 4, "minute": 52}
